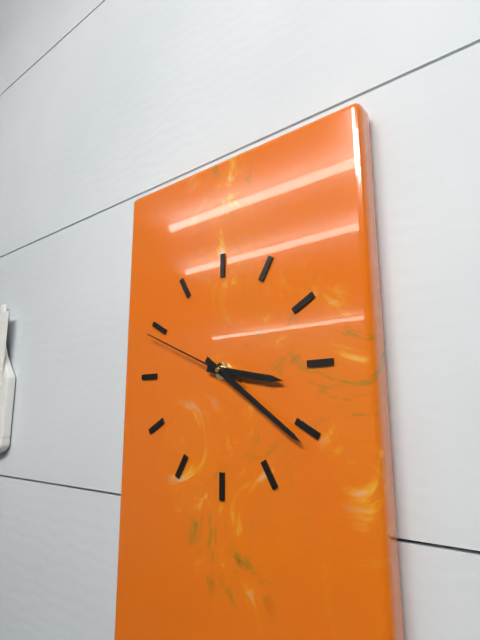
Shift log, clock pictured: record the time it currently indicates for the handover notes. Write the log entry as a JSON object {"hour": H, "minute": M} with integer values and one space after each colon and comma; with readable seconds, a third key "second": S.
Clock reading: {"hour": 3, "minute": 21, "second": 49}
